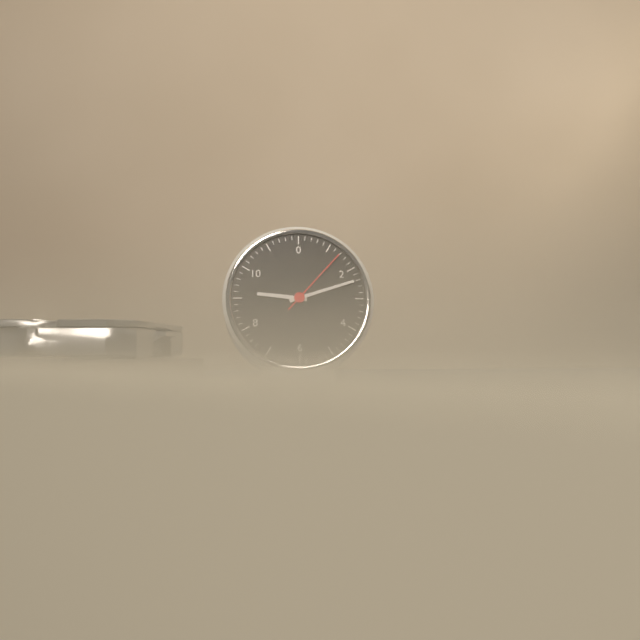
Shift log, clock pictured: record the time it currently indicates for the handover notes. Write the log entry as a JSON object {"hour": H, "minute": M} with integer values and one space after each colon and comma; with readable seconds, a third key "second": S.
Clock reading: {"hour": 9, "minute": 12, "second": 7}
